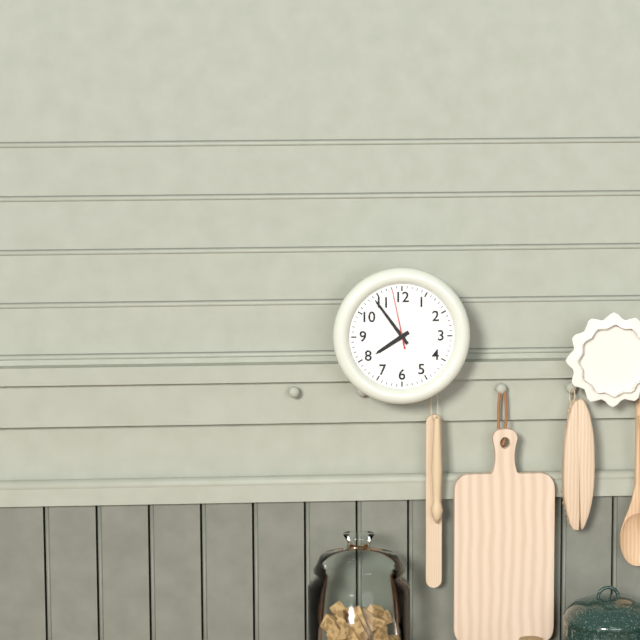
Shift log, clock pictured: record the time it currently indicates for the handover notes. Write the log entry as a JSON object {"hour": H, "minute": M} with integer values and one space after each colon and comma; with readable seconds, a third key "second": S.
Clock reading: {"hour": 7, "minute": 54, "second": 58}
